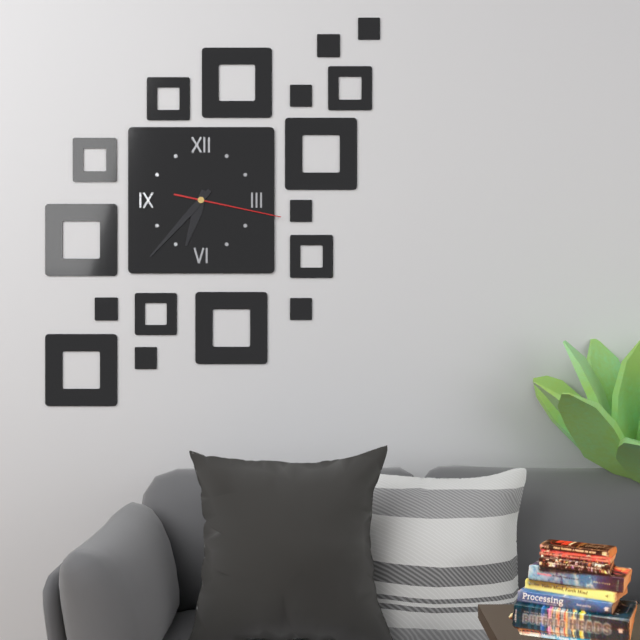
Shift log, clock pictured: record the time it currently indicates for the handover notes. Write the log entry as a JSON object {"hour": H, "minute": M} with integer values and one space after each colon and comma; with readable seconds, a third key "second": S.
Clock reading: {"hour": 6, "minute": 37, "second": 17}
